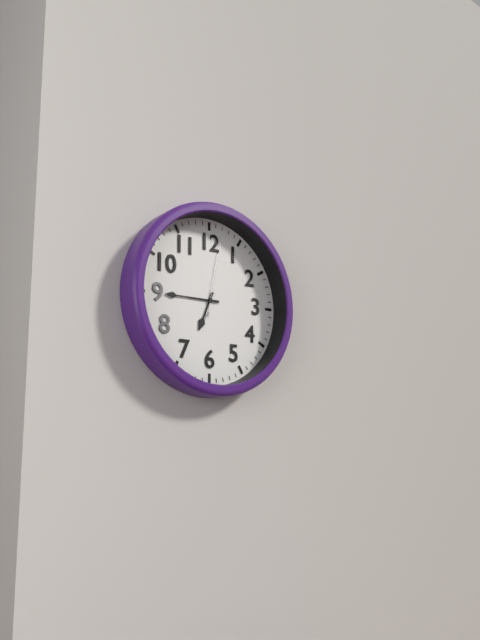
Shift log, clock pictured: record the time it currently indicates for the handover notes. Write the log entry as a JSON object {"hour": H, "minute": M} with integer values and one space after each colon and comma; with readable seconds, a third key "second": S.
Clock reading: {"hour": 6, "minute": 45, "second": 2}
